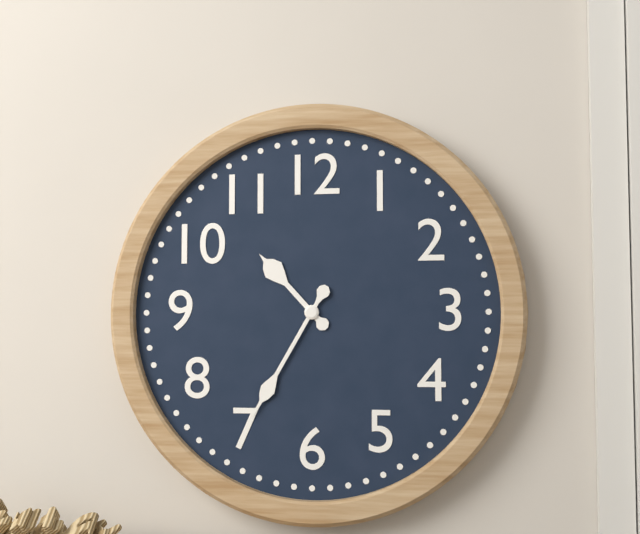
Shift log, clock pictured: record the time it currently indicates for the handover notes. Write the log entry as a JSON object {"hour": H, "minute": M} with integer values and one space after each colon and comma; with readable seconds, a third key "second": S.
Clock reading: {"hour": 10, "minute": 35}
